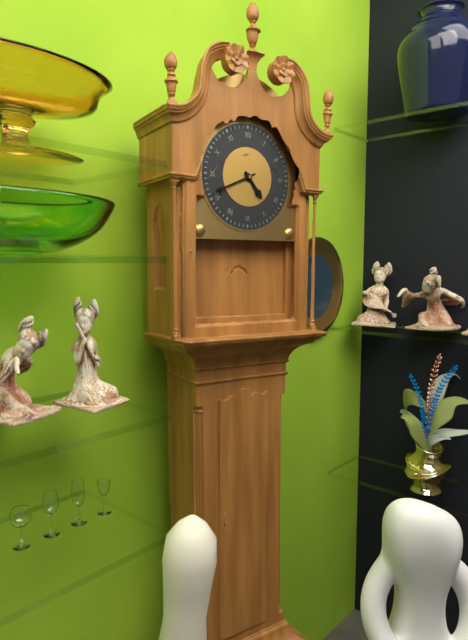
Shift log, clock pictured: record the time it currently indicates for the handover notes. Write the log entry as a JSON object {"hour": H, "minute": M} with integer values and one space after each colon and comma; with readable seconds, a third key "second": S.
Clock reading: {"hour": 4, "minute": 41}
